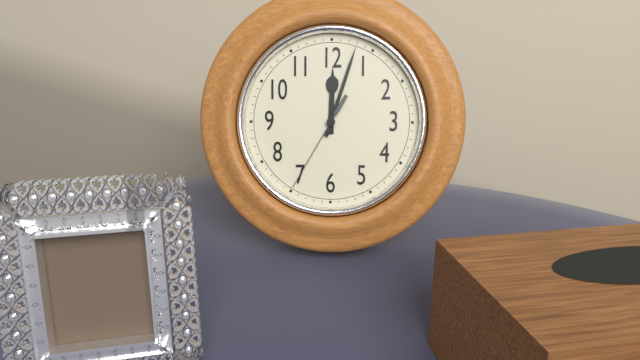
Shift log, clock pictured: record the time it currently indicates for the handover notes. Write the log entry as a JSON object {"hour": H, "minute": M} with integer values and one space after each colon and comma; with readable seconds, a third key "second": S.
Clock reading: {"hour": 12, "minute": 3, "second": 35}
